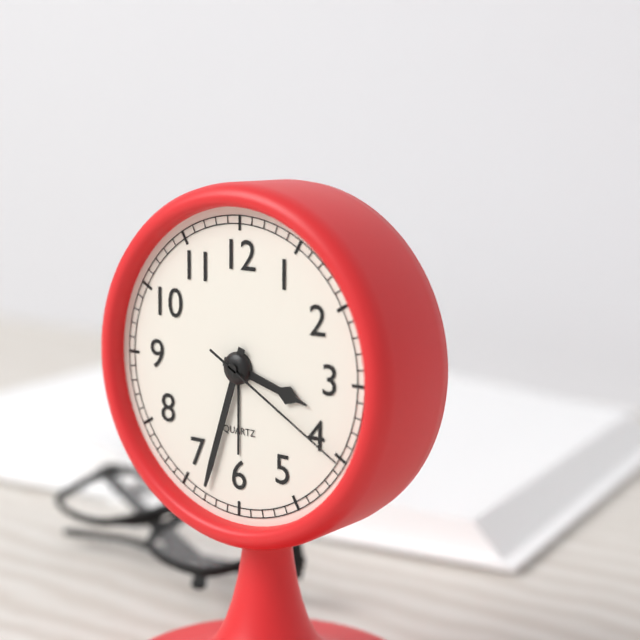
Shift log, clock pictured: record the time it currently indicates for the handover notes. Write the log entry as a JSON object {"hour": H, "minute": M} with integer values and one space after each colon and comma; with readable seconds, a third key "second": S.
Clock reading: {"hour": 3, "minute": 33, "second": 20}
